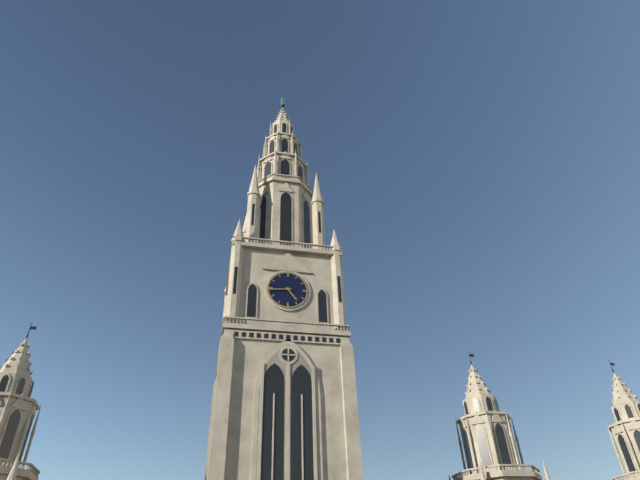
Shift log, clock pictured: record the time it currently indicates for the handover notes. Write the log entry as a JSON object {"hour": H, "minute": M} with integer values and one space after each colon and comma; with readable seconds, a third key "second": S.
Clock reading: {"hour": 4, "minute": 44}
